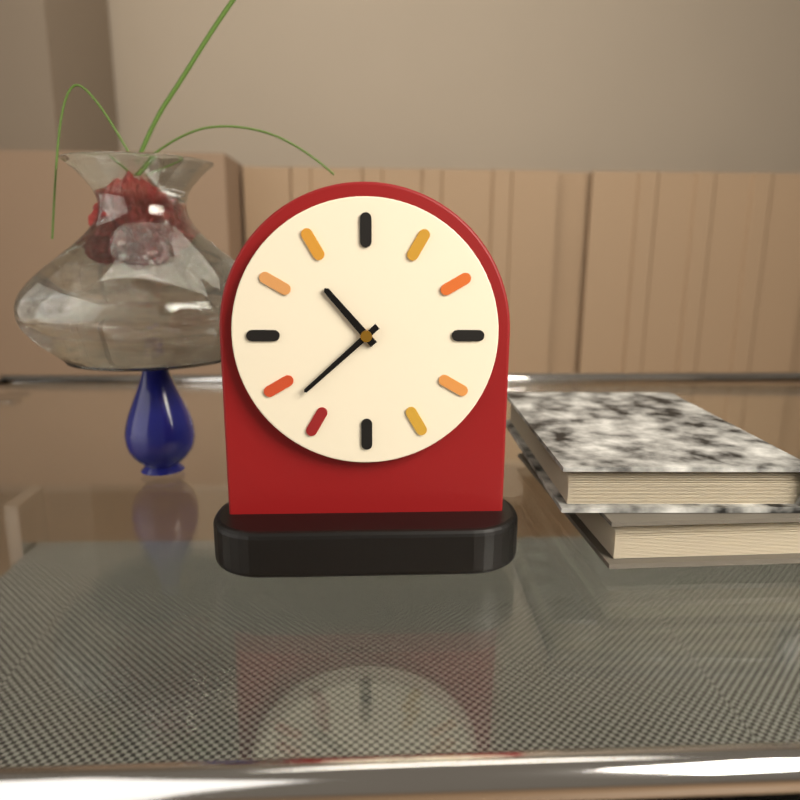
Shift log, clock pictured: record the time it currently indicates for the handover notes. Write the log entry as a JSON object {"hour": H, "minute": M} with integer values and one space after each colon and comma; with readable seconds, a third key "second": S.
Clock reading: {"hour": 10, "minute": 38}
